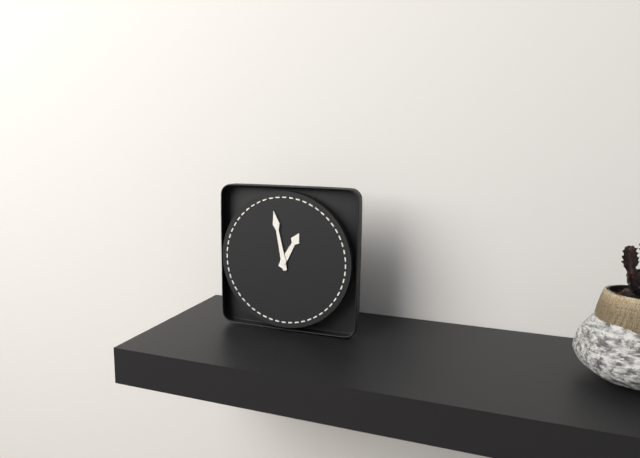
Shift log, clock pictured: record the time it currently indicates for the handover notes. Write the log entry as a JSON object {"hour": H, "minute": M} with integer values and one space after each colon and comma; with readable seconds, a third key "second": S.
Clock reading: {"hour": 12, "minute": 58}
